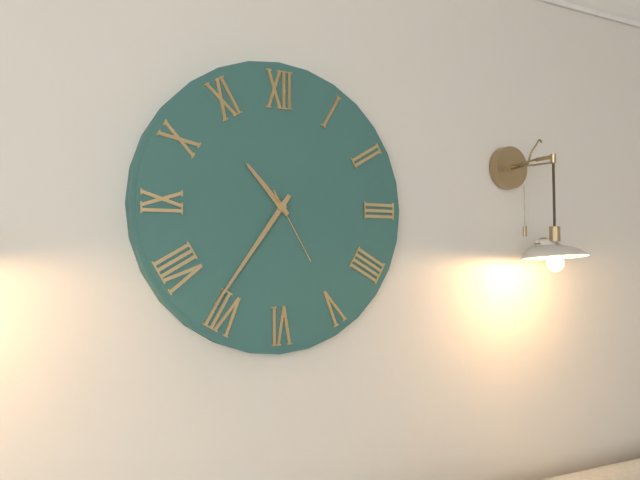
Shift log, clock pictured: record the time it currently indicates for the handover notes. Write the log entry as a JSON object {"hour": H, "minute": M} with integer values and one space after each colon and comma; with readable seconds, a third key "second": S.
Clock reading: {"hour": 10, "minute": 36, "second": 25}
